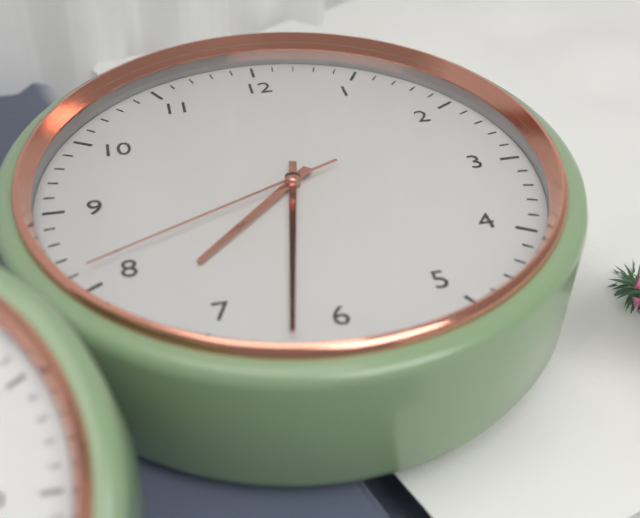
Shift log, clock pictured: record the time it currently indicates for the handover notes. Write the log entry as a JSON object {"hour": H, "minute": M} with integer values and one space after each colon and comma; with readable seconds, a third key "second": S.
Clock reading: {"hour": 7, "minute": 32, "second": 41}
